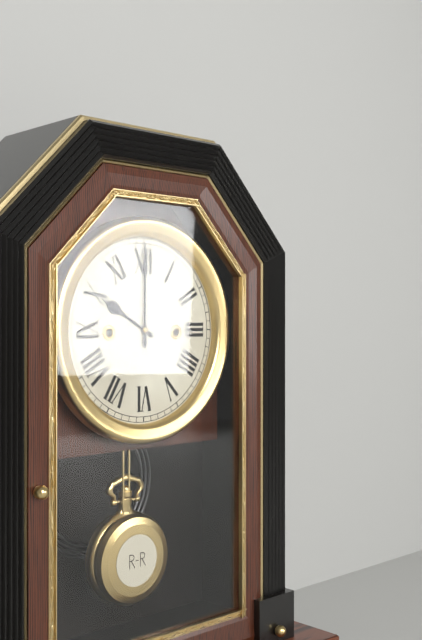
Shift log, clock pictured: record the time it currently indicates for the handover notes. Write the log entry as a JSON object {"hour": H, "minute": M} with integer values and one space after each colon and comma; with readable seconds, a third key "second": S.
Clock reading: {"hour": 10, "minute": 0}
